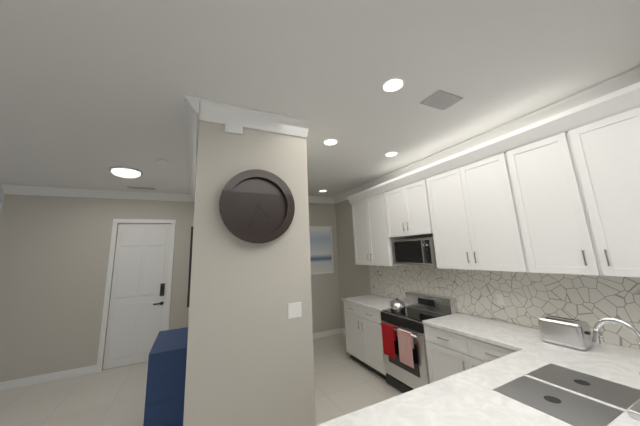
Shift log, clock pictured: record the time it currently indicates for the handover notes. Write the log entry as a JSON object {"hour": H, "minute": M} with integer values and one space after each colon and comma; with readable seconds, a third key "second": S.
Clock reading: {"hour": 4, "minute": 34}
